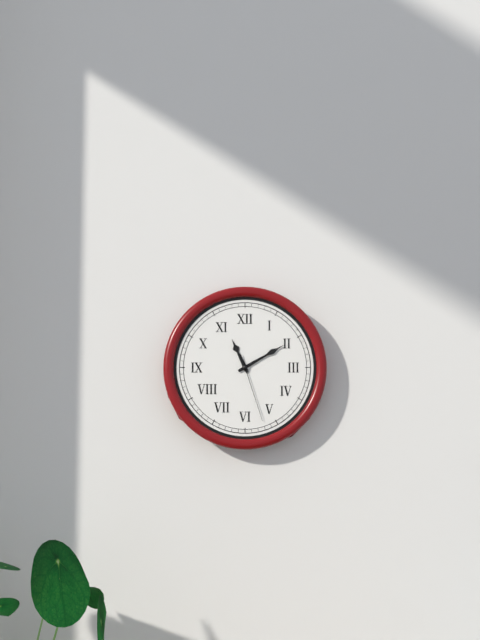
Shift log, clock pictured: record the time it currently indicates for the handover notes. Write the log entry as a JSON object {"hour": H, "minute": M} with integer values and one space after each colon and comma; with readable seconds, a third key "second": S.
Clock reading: {"hour": 11, "minute": 10, "second": 27}
